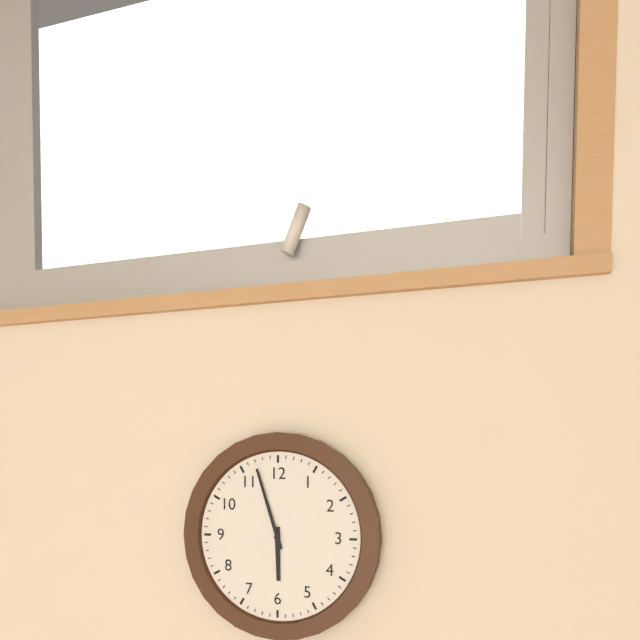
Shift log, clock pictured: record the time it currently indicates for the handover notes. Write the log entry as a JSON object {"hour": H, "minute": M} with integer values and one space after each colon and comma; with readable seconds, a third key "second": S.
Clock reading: {"hour": 5, "minute": 57}
